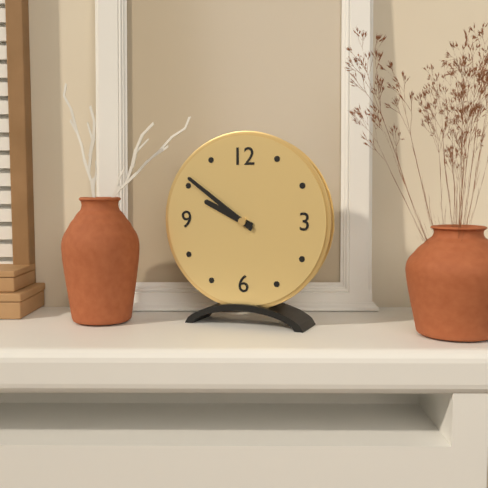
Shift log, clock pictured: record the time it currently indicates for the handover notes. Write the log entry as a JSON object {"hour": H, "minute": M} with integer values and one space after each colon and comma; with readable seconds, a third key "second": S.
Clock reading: {"hour": 9, "minute": 51}
